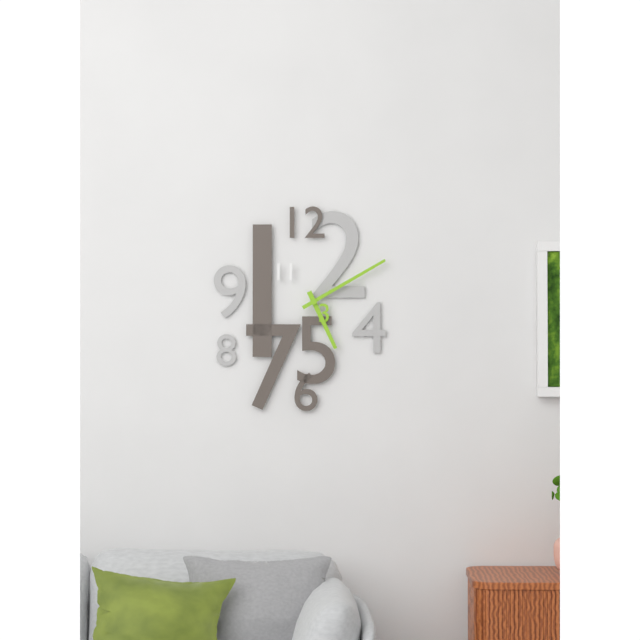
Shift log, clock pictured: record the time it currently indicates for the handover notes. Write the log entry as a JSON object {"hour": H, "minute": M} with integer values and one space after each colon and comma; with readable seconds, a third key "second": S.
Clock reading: {"hour": 5, "minute": 10}
